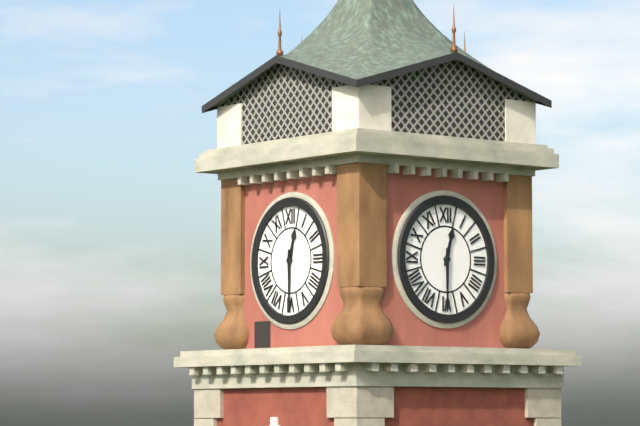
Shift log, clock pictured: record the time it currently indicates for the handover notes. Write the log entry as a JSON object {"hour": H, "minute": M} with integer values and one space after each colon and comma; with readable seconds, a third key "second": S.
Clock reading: {"hour": 12, "minute": 30}
